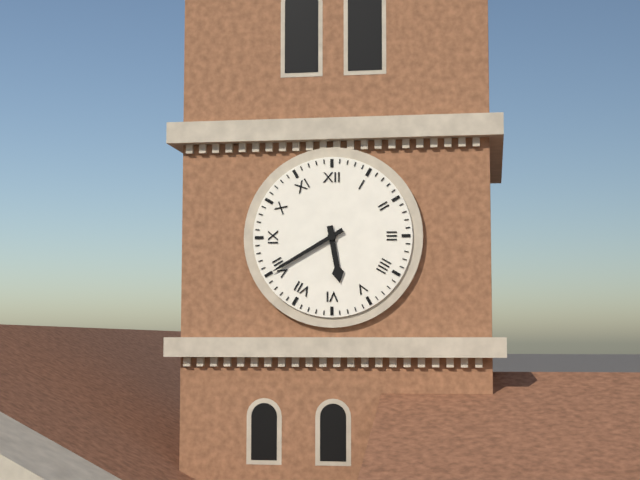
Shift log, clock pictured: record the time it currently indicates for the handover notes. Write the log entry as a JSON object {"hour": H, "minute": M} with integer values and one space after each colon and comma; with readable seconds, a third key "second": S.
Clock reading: {"hour": 5, "minute": 40}
